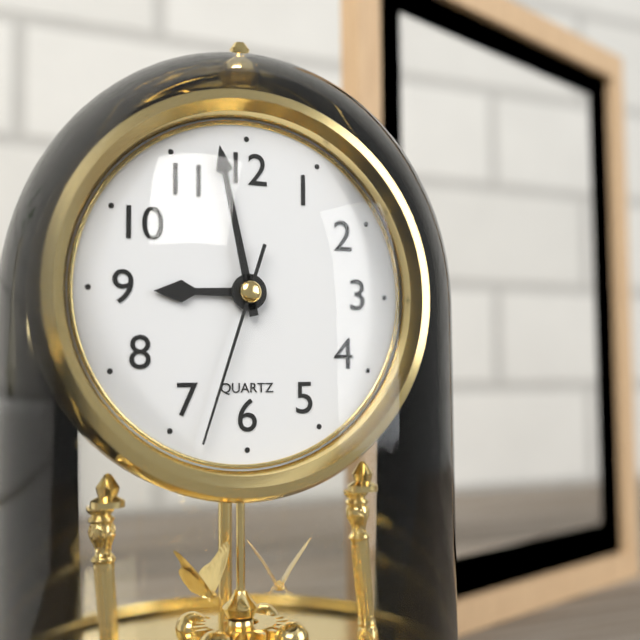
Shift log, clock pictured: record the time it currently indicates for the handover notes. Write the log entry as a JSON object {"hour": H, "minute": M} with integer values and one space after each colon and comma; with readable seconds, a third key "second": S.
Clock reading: {"hour": 8, "minute": 58, "second": 33}
